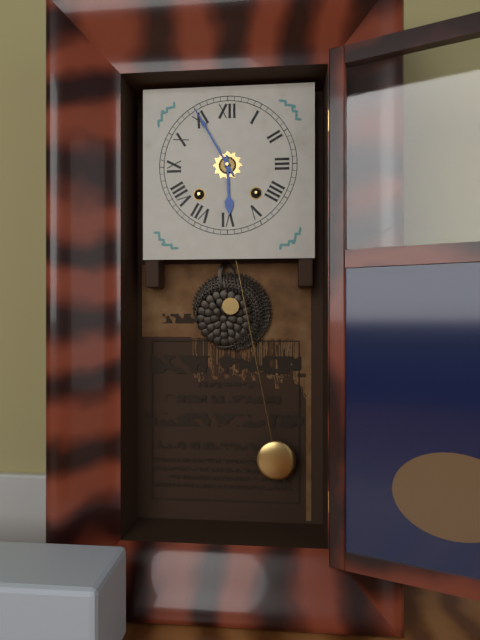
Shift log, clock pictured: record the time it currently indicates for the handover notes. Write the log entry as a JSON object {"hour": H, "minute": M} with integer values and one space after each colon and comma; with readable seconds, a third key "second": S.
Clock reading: {"hour": 5, "minute": 55}
